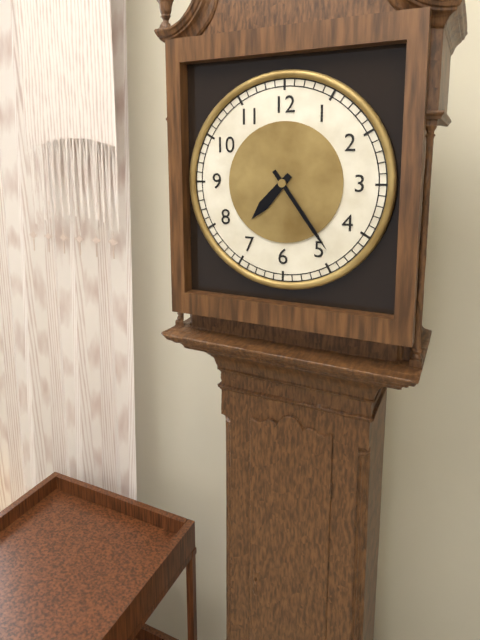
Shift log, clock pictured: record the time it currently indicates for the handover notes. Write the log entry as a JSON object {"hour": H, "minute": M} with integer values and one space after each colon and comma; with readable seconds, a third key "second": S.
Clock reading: {"hour": 7, "minute": 24}
